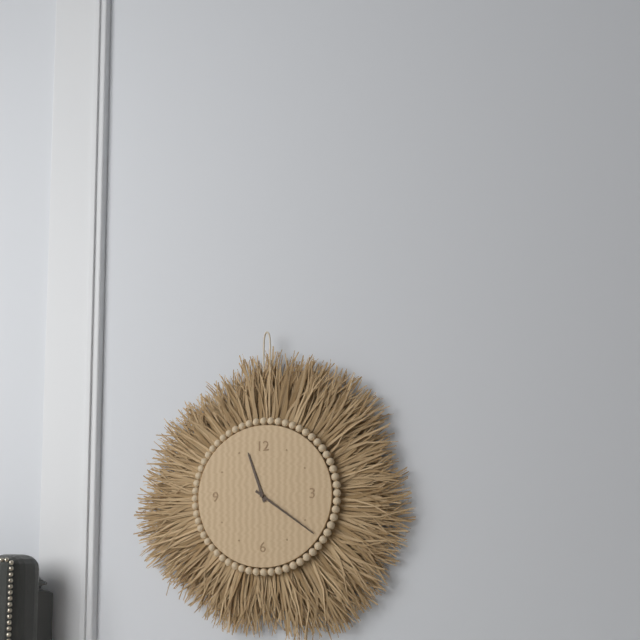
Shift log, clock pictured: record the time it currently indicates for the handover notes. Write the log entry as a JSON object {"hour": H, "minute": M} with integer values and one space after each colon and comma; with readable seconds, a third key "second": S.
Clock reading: {"hour": 11, "minute": 21}
